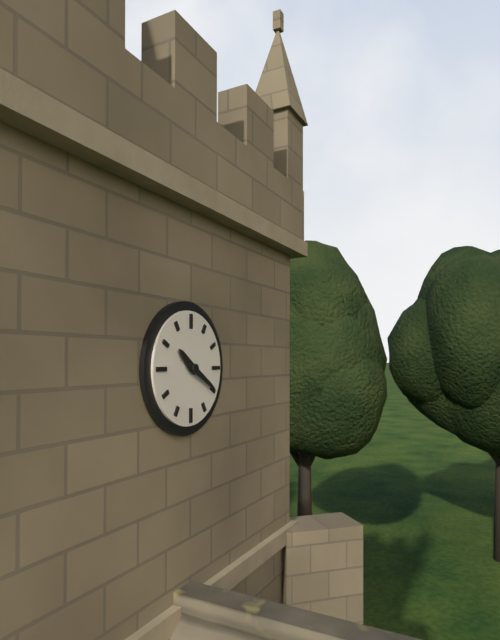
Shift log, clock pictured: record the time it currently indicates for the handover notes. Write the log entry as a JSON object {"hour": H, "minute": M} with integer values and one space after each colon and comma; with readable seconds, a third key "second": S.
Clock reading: {"hour": 10, "minute": 20}
